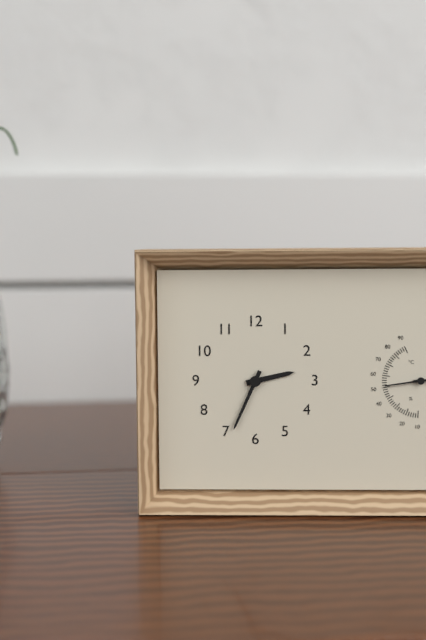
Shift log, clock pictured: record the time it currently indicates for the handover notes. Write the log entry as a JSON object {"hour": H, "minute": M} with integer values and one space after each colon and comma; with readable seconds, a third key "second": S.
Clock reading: {"hour": 2, "minute": 34}
